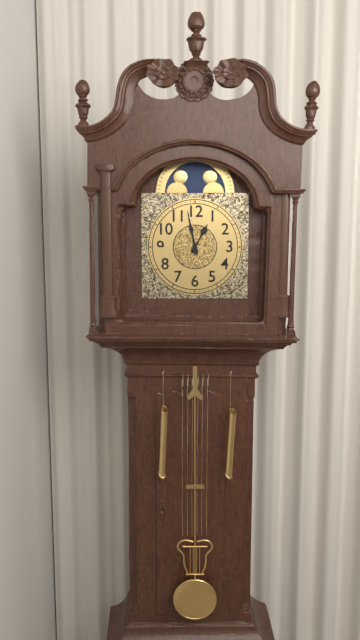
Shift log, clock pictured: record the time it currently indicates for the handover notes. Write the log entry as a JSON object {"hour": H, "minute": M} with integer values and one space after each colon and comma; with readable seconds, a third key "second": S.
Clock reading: {"hour": 12, "minute": 58}
